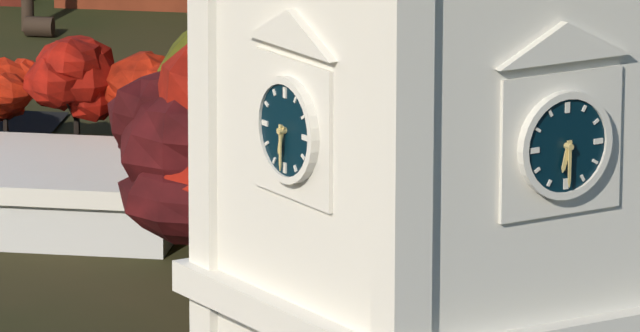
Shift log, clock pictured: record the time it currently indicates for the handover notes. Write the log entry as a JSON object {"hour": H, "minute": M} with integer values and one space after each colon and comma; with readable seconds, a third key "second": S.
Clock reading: {"hour": 6, "minute": 30}
